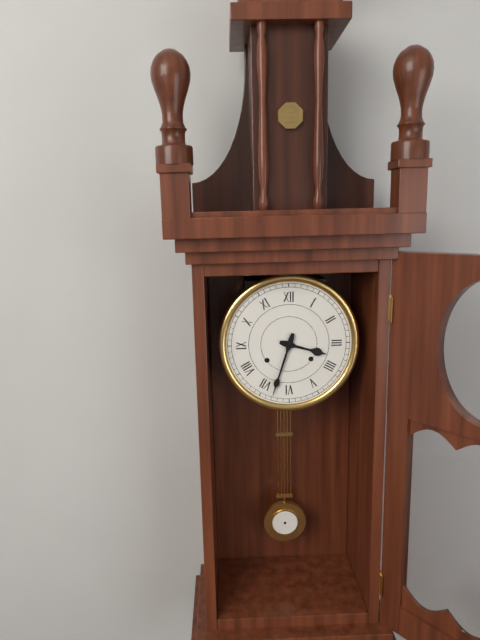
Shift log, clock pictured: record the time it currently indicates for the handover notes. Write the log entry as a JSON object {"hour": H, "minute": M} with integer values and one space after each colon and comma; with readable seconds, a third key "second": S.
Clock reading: {"hour": 3, "minute": 33}
